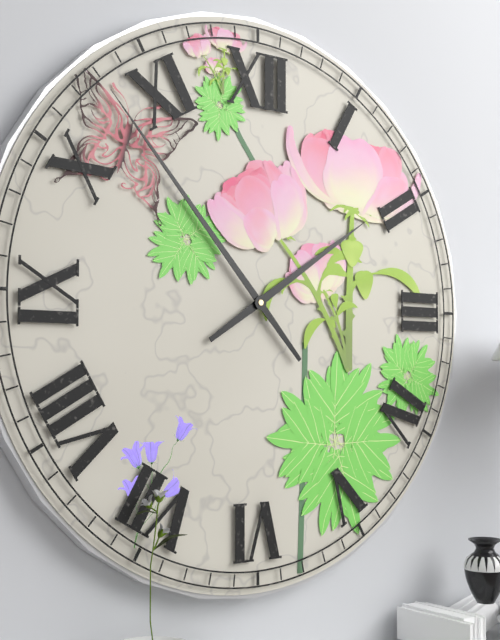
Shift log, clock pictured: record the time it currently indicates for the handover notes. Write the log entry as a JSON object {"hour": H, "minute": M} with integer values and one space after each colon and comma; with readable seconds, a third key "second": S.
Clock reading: {"hour": 1, "minute": 53}
